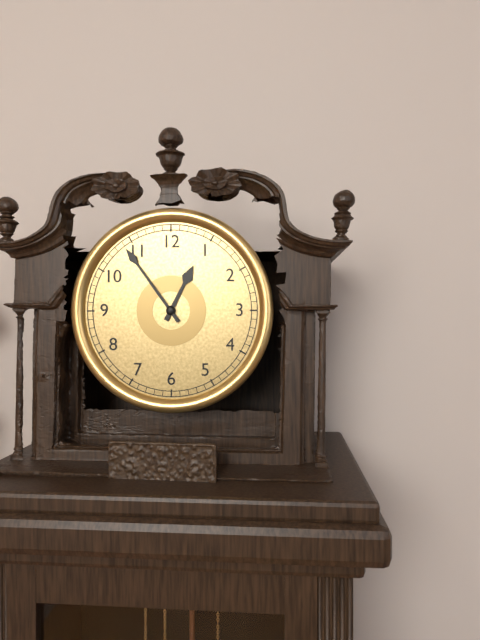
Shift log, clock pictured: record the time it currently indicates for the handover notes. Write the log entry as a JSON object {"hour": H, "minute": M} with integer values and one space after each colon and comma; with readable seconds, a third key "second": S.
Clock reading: {"hour": 12, "minute": 54}
